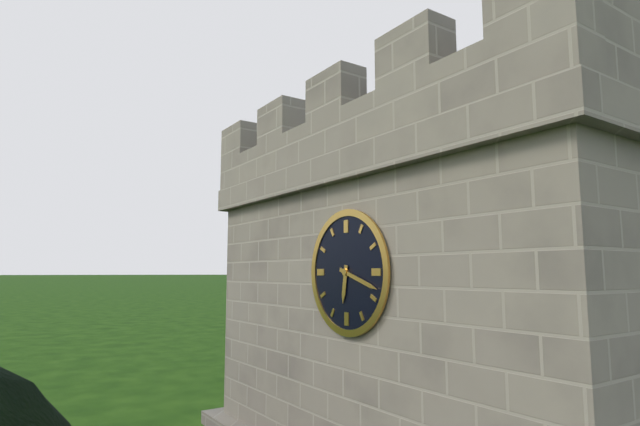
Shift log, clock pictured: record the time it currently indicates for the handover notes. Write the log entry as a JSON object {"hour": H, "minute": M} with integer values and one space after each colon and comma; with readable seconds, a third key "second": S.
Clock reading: {"hour": 6, "minute": 18}
